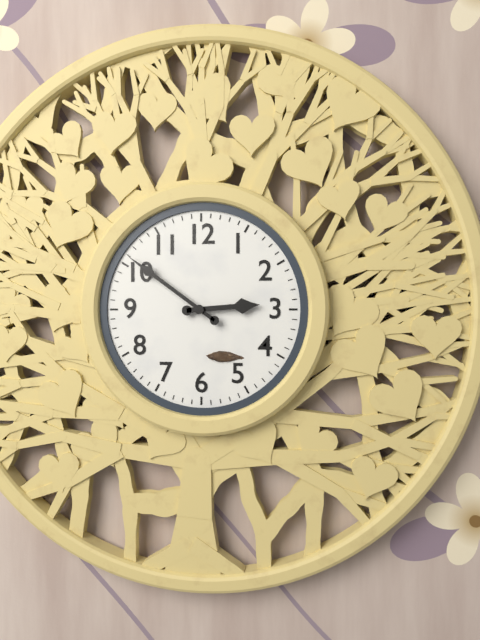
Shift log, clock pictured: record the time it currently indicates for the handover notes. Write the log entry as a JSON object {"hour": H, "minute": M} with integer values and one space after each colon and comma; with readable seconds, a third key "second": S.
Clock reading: {"hour": 2, "minute": 51}
